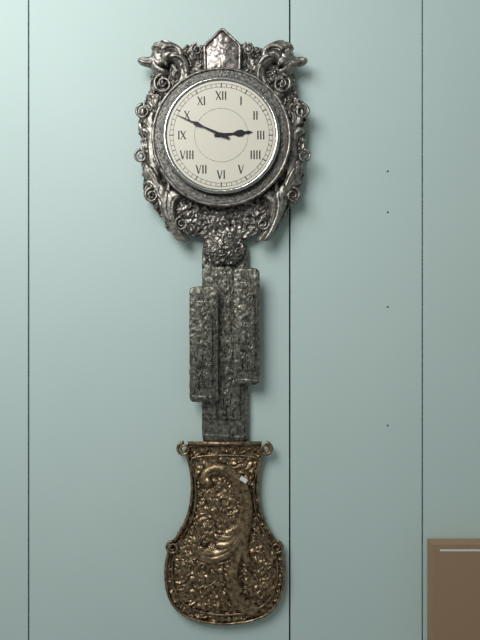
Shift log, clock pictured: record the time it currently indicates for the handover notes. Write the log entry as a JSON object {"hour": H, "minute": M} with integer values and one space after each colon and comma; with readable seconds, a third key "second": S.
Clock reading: {"hour": 2, "minute": 49}
